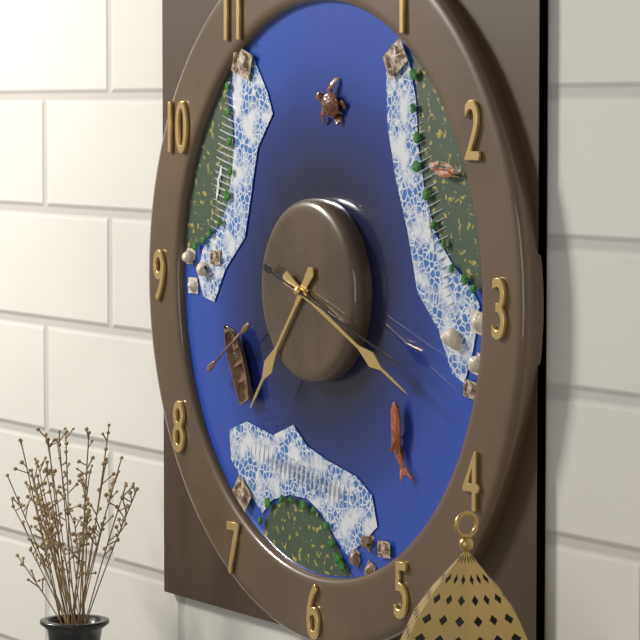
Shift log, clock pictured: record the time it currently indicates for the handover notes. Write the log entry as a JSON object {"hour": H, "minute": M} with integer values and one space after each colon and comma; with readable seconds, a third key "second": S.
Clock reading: {"hour": 7, "minute": 19, "second": 18}
